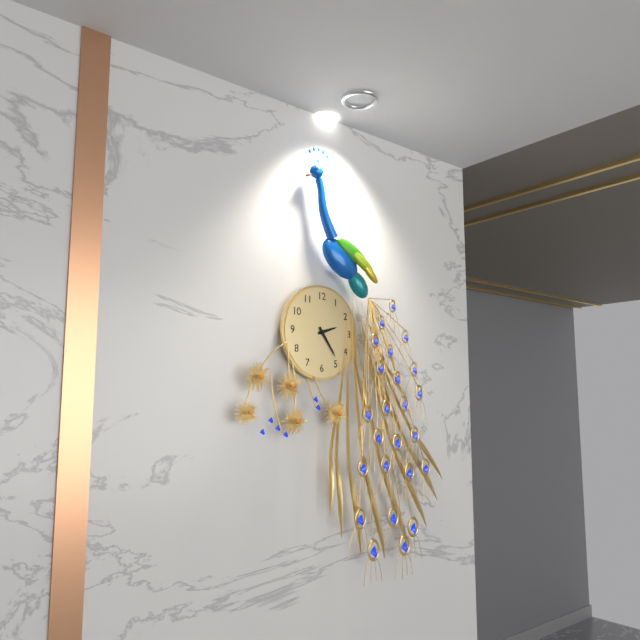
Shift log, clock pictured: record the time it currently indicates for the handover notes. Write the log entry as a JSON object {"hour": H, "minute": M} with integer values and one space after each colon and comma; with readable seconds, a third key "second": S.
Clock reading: {"hour": 2, "minute": 24}
